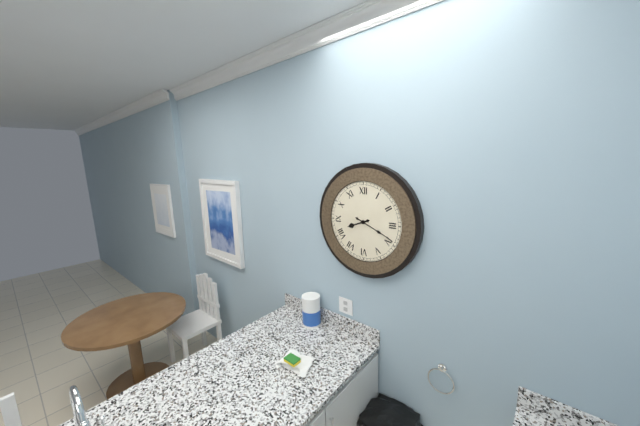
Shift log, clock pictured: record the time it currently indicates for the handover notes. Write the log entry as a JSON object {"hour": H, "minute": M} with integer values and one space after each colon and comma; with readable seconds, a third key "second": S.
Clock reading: {"hour": 8, "minute": 19}
